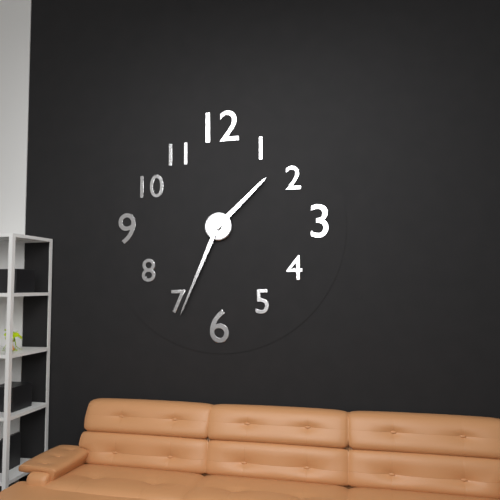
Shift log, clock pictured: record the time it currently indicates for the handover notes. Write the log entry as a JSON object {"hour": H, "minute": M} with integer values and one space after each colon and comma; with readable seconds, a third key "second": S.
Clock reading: {"hour": 1, "minute": 34}
